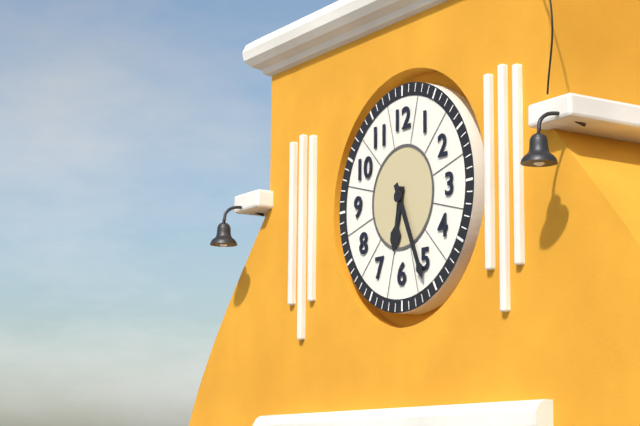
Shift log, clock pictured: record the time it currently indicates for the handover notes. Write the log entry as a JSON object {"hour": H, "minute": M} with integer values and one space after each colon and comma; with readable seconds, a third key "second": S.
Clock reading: {"hour": 6, "minute": 26}
